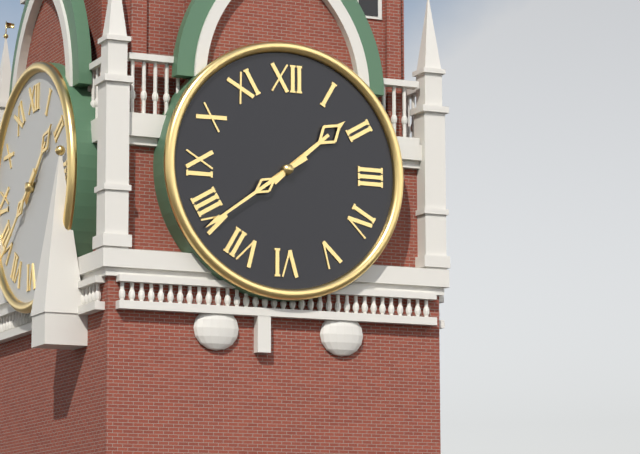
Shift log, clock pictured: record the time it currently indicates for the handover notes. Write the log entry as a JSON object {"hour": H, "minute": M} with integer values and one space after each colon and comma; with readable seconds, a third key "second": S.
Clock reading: {"hour": 1, "minute": 39}
